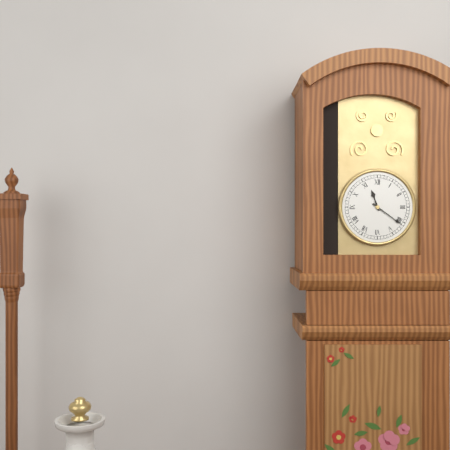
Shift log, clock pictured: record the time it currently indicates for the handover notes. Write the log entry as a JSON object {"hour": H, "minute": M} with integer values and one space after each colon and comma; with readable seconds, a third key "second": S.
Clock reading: {"hour": 11, "minute": 21}
